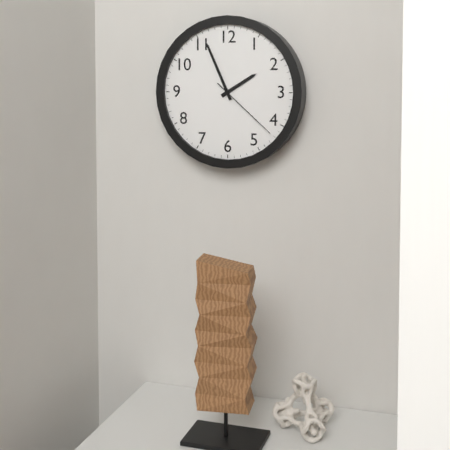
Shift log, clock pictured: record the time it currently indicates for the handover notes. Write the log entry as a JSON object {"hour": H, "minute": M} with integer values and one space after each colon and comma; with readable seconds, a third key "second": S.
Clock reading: {"hour": 1, "minute": 56, "second": 22}
